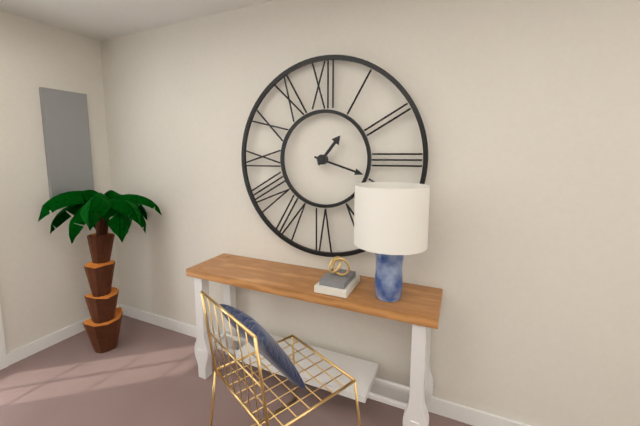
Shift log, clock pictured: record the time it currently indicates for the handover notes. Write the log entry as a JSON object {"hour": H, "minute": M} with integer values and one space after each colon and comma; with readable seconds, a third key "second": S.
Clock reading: {"hour": 1, "minute": 18}
